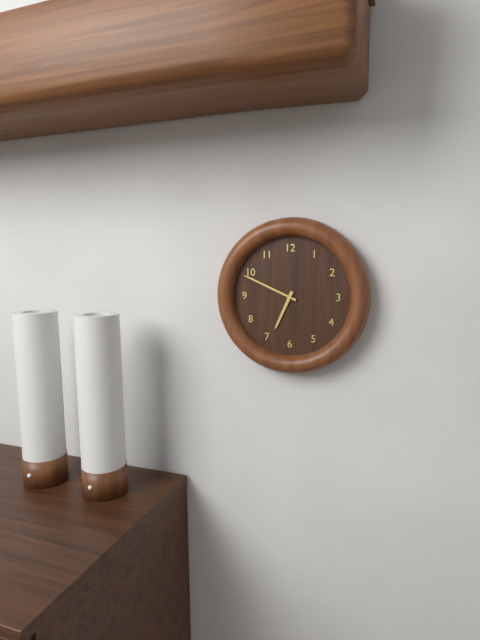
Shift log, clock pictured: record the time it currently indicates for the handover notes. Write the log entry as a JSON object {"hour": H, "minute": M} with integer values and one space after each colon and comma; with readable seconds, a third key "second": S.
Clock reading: {"hour": 6, "minute": 49}
